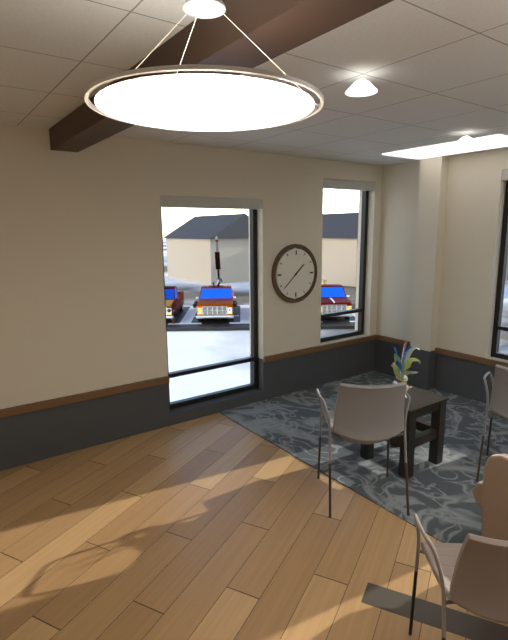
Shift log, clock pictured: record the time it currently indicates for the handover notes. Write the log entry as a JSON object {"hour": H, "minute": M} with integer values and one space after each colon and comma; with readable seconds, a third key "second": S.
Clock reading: {"hour": 1, "minute": 38}
